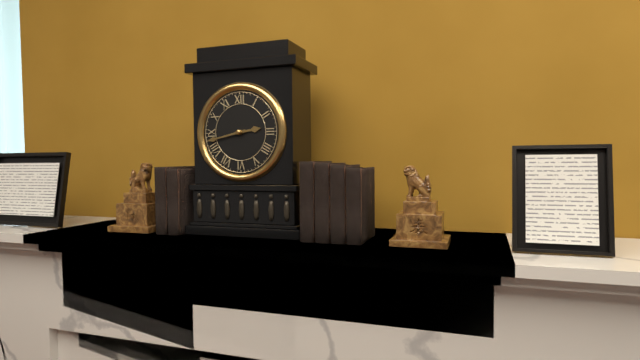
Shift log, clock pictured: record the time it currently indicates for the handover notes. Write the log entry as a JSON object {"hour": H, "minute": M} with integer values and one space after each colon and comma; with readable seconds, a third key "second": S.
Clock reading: {"hour": 2, "minute": 43}
